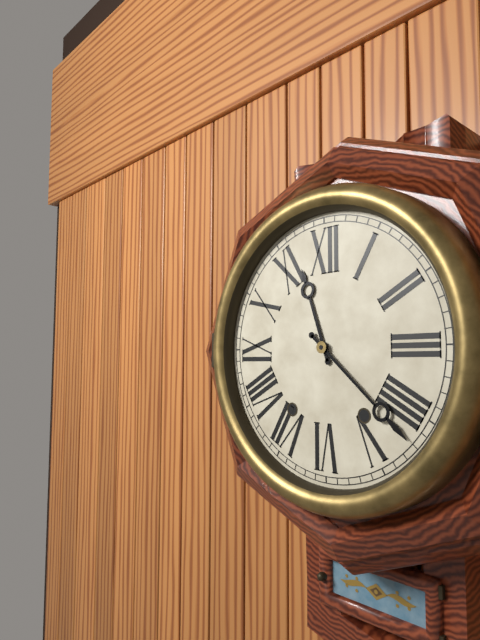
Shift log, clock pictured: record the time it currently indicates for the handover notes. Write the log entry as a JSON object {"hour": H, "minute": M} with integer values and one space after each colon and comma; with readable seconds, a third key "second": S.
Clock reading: {"hour": 11, "minute": 22}
